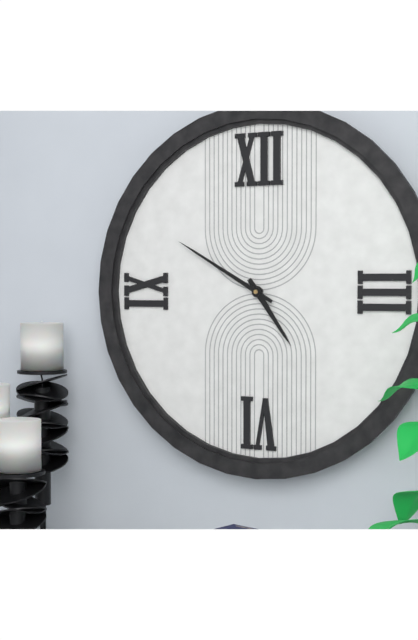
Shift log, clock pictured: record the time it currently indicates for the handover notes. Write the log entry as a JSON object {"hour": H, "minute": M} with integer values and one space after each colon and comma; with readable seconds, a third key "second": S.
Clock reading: {"hour": 4, "minute": 50}
